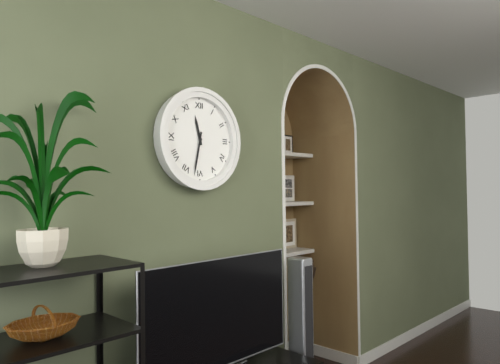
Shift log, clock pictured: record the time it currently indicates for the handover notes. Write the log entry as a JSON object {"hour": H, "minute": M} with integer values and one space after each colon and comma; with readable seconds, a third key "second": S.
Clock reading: {"hour": 11, "minute": 32}
